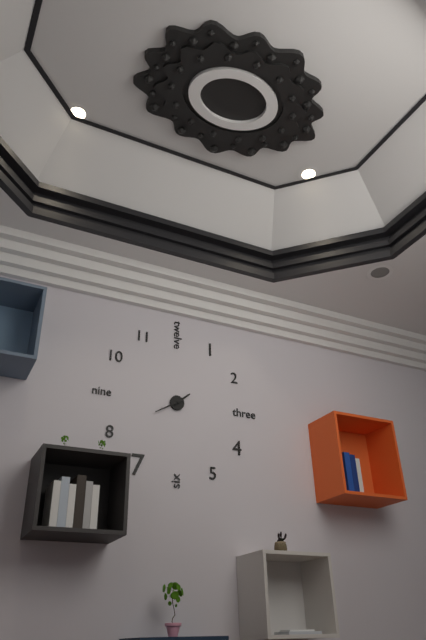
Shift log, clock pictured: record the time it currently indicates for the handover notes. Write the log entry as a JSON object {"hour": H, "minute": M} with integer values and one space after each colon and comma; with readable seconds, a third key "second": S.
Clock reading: {"hour": 1, "minute": 40}
